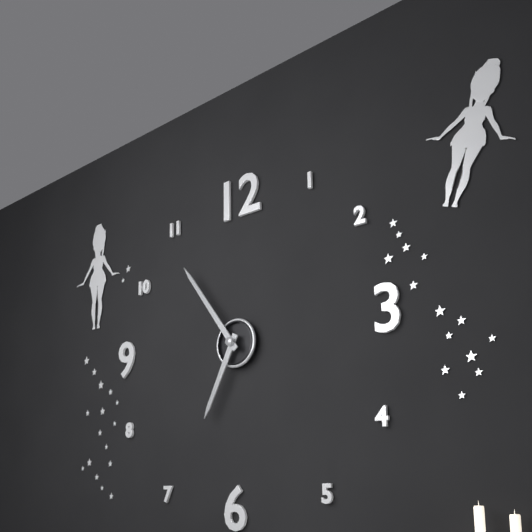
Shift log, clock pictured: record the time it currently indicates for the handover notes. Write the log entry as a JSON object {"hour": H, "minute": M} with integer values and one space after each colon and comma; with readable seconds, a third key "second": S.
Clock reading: {"hour": 6, "minute": 54}
